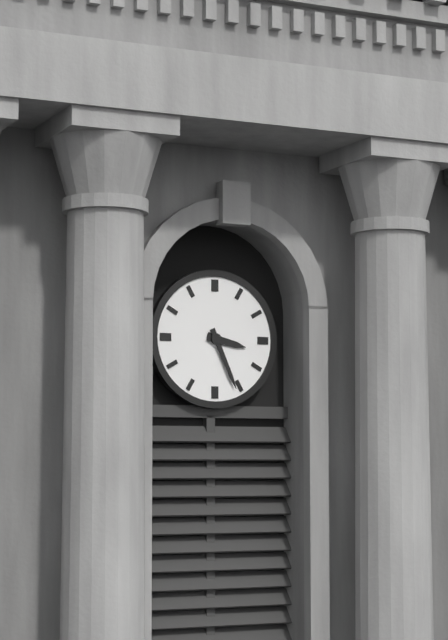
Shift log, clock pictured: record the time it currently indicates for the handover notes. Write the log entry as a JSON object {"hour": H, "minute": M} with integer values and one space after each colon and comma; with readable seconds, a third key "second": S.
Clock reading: {"hour": 3, "minute": 26}
